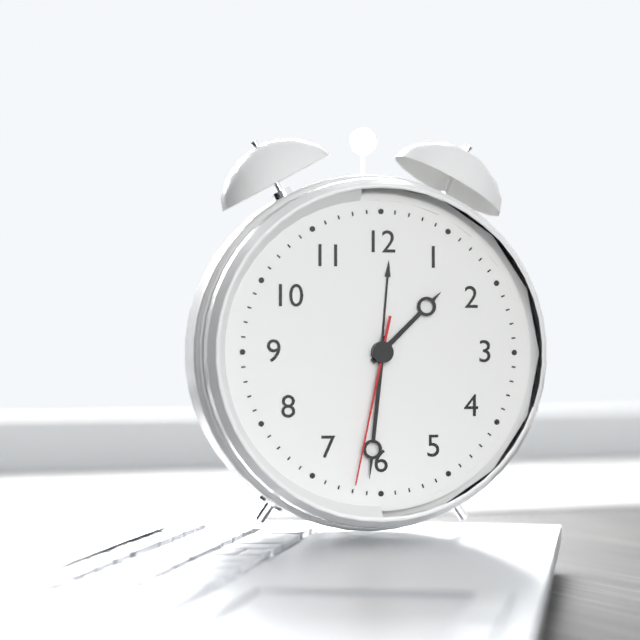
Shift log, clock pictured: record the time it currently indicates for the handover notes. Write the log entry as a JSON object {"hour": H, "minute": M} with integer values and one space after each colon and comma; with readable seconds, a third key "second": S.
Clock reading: {"hour": 1, "minute": 31, "second": 32}
